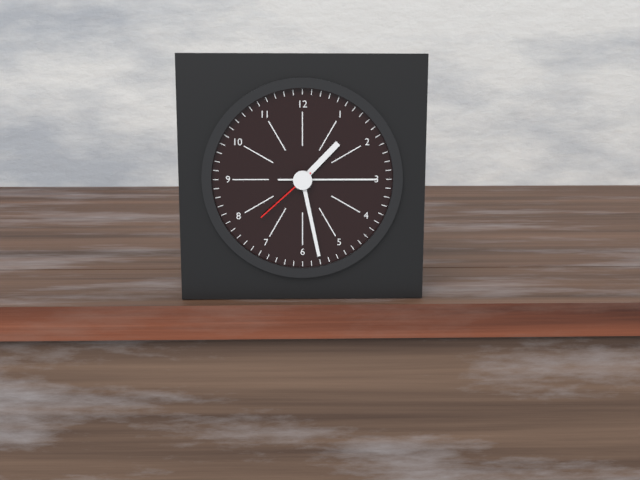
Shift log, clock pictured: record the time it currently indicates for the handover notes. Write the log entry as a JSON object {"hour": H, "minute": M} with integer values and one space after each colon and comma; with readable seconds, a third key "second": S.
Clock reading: {"hour": 1, "minute": 28, "second": 38}
